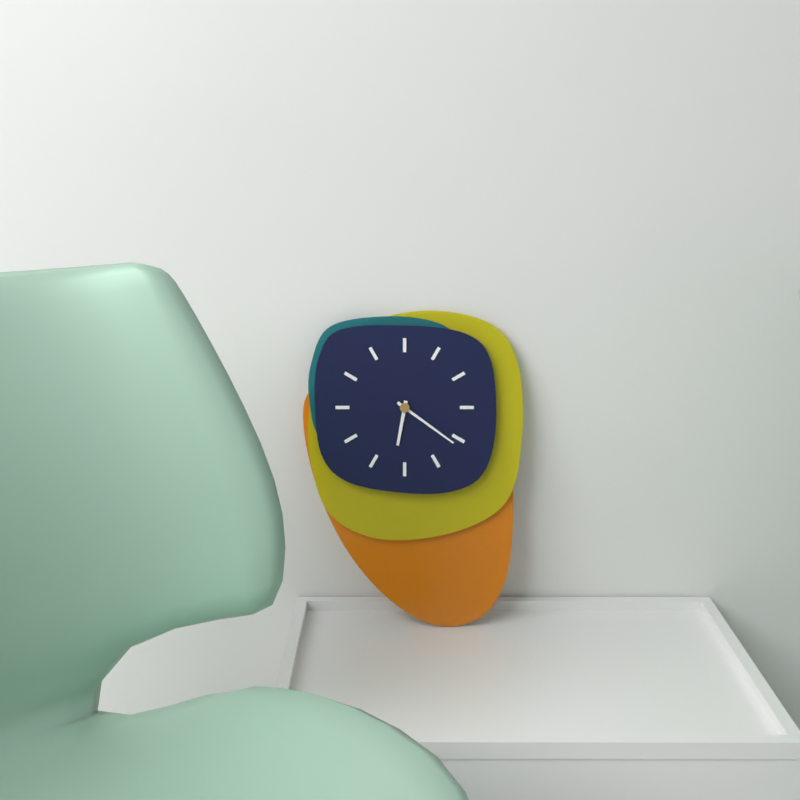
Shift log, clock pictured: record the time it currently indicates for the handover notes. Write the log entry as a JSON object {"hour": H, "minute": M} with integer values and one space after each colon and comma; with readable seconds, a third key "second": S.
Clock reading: {"hour": 6, "minute": 21}
